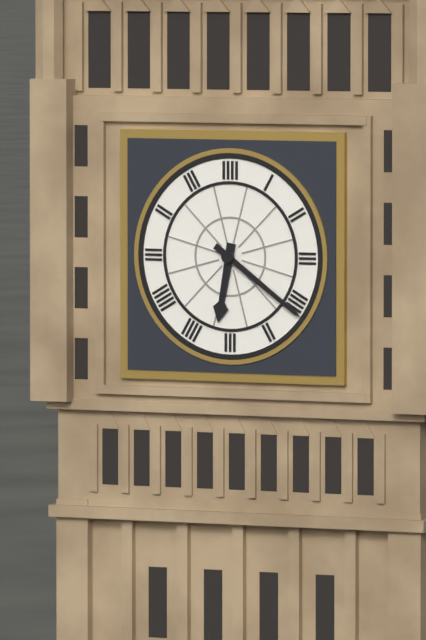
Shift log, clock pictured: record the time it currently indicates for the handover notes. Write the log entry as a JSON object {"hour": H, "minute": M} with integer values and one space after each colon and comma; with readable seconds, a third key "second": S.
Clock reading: {"hour": 6, "minute": 21}
